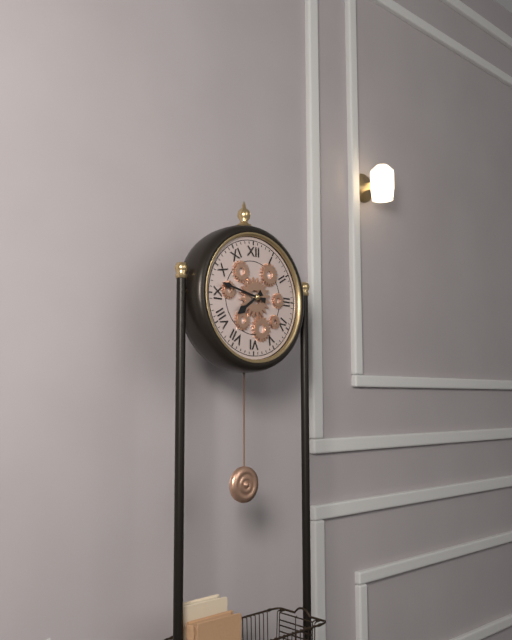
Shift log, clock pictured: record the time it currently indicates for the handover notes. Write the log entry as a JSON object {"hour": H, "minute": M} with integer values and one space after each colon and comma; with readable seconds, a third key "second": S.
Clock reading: {"hour": 7, "minute": 47}
